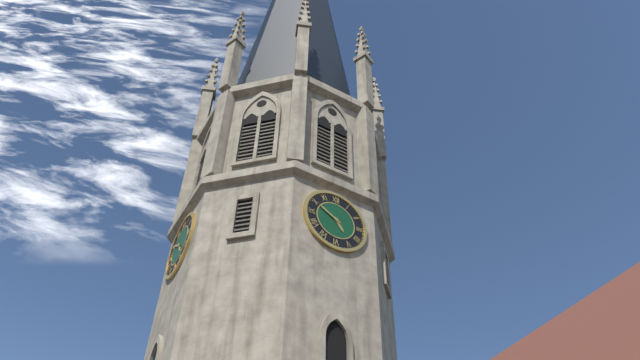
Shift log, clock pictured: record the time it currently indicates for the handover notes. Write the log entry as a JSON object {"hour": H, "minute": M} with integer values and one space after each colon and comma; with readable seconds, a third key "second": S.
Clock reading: {"hour": 4, "minute": 50}
